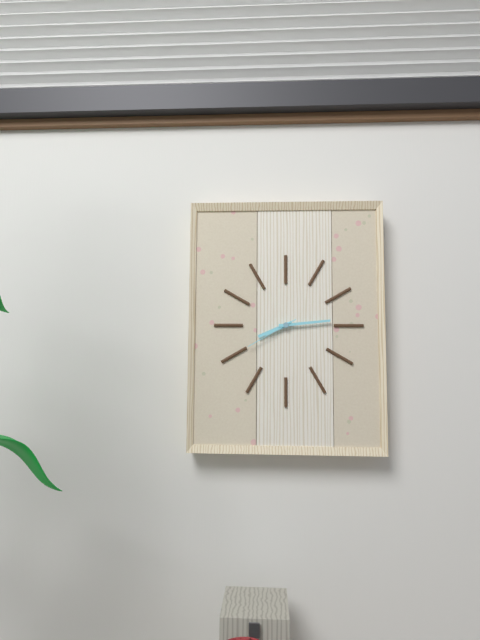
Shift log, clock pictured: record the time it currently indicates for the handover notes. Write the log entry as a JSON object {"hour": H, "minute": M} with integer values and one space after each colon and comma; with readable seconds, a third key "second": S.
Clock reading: {"hour": 8, "minute": 14, "second": 40}
